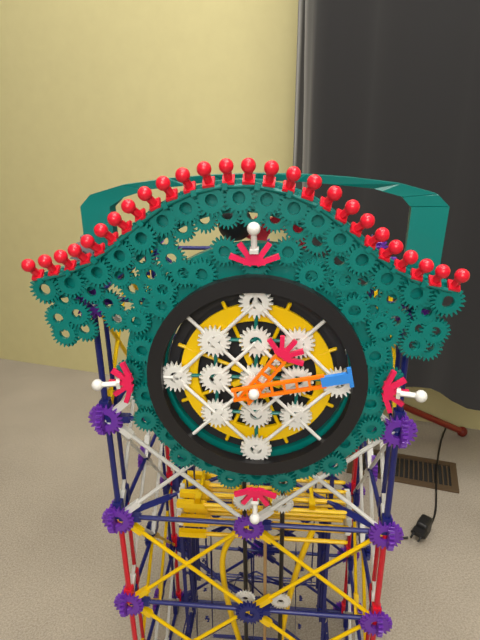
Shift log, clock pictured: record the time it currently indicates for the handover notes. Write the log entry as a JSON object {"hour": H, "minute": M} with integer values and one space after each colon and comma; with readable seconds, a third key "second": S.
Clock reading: {"hour": 1, "minute": 13}
